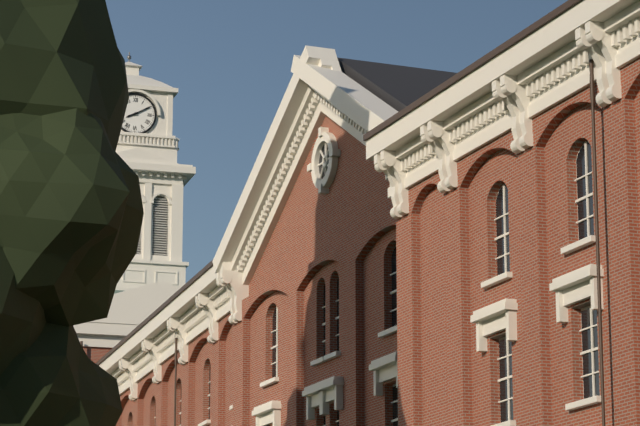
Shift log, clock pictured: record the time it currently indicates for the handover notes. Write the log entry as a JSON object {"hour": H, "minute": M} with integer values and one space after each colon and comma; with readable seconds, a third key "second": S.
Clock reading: {"hour": 8, "minute": 10}
